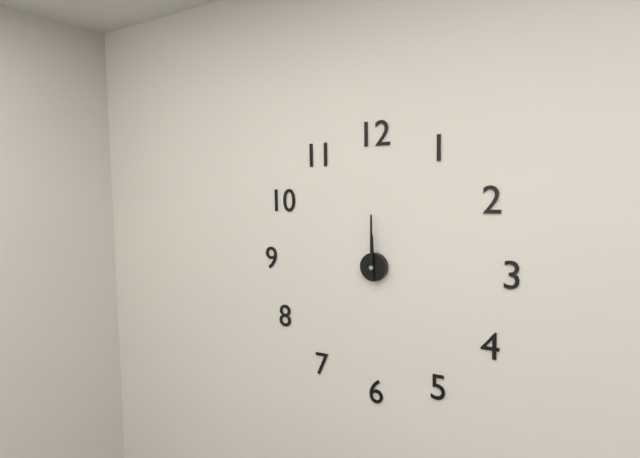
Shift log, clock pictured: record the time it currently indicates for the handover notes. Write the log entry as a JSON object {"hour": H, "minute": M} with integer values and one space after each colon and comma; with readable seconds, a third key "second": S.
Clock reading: {"hour": 12, "minute": 0}
